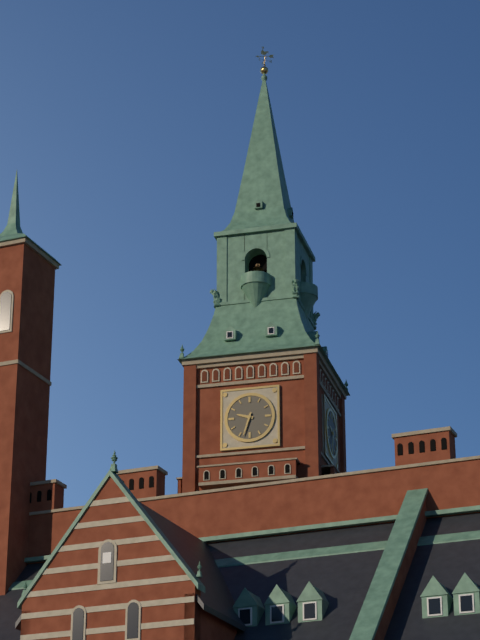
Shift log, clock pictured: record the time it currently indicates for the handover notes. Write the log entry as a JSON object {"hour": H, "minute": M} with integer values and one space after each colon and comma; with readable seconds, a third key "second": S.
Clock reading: {"hour": 9, "minute": 33}
